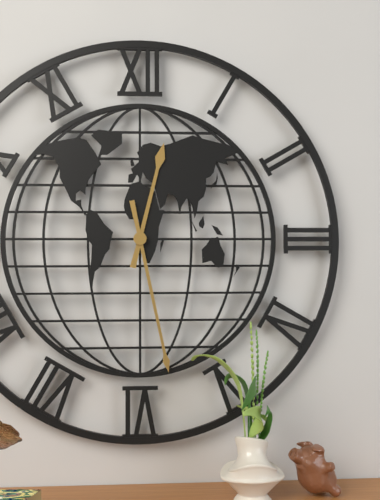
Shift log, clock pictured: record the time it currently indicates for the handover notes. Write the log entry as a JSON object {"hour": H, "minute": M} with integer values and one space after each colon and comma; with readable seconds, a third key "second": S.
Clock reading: {"hour": 12, "minute": 28}
